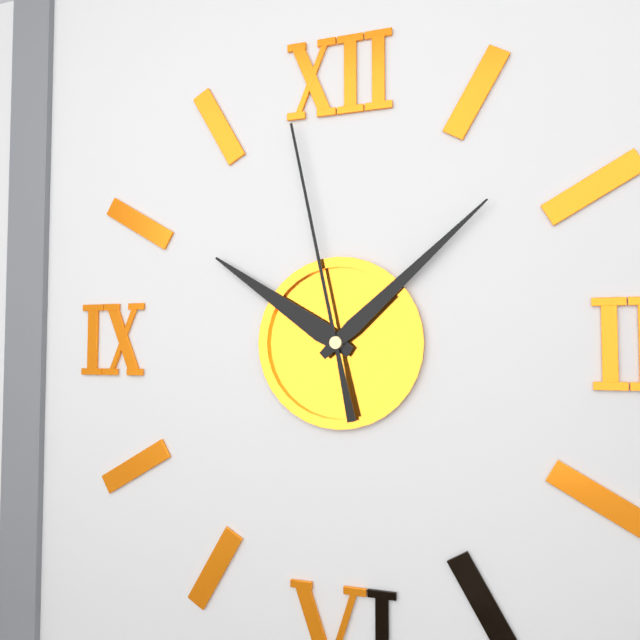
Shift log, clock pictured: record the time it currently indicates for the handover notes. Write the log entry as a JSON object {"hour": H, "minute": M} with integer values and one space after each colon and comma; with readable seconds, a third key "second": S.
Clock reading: {"hour": 10, "minute": 8, "second": 58}
